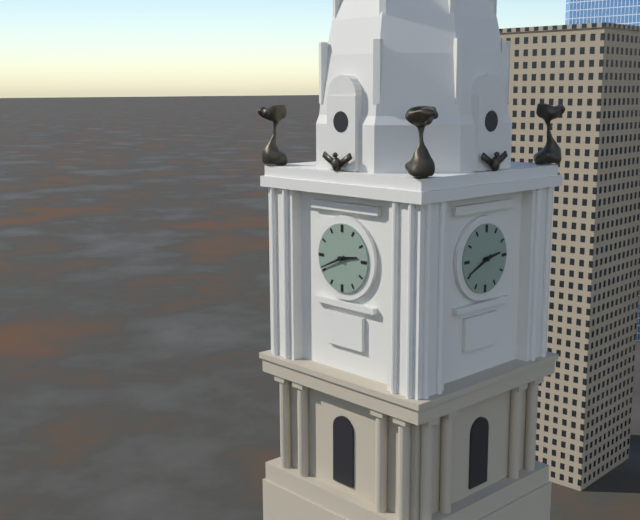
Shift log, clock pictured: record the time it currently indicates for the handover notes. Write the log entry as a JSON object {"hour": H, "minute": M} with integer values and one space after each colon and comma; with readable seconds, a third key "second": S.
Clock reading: {"hour": 2, "minute": 41}
